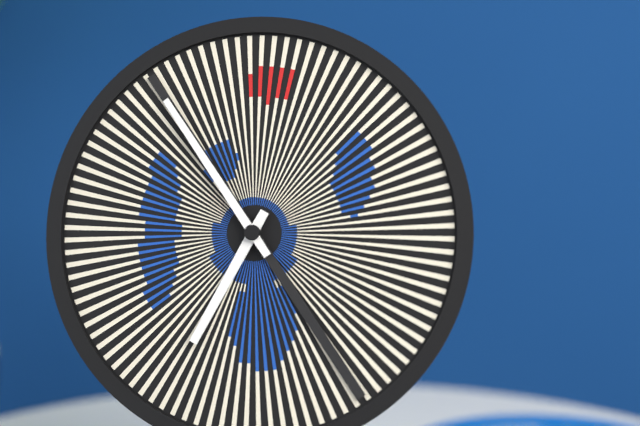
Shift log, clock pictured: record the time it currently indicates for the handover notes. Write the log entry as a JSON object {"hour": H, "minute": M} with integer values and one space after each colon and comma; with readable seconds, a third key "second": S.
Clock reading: {"hour": 6, "minute": 54}
